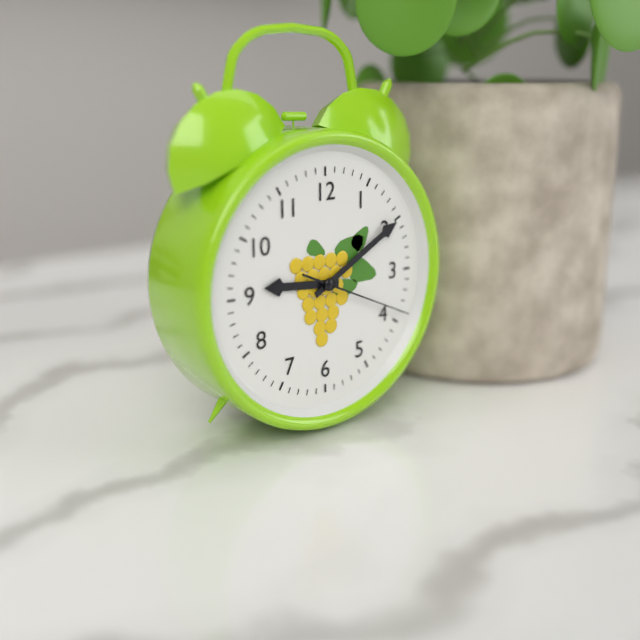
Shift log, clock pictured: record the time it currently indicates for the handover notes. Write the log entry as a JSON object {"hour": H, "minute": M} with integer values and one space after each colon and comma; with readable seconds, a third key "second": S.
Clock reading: {"hour": 9, "minute": 10, "second": 19}
